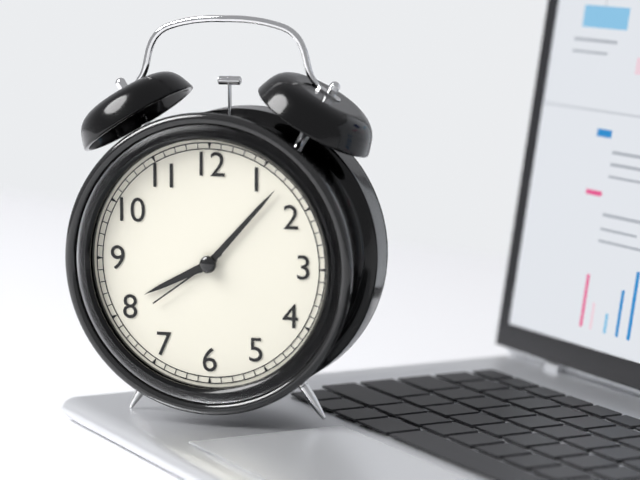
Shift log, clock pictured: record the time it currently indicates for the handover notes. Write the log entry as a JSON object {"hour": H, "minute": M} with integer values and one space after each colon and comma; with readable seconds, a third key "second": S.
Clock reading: {"hour": 8, "minute": 7, "second": 39}
